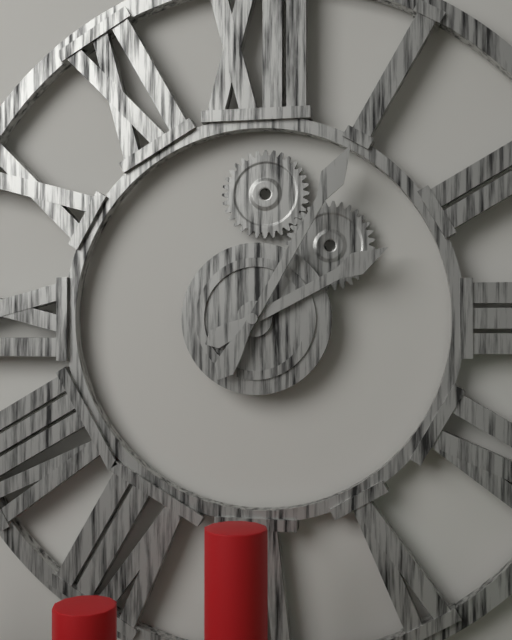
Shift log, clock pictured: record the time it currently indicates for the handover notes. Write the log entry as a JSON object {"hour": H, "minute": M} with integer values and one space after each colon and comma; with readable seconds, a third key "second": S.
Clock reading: {"hour": 2, "minute": 5}
